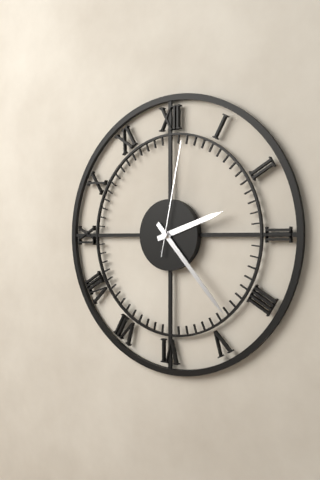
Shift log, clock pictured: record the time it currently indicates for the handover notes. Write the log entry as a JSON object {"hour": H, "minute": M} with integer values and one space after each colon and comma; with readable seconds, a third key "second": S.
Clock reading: {"hour": 2, "minute": 23, "second": 2}
